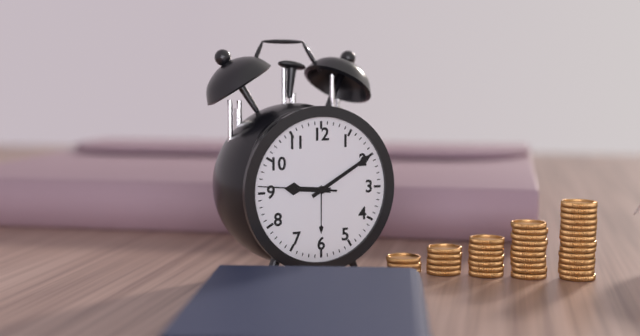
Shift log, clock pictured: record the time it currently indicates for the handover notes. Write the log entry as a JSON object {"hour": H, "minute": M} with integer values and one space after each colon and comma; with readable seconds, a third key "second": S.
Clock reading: {"hour": 9, "minute": 10, "second": 46}
